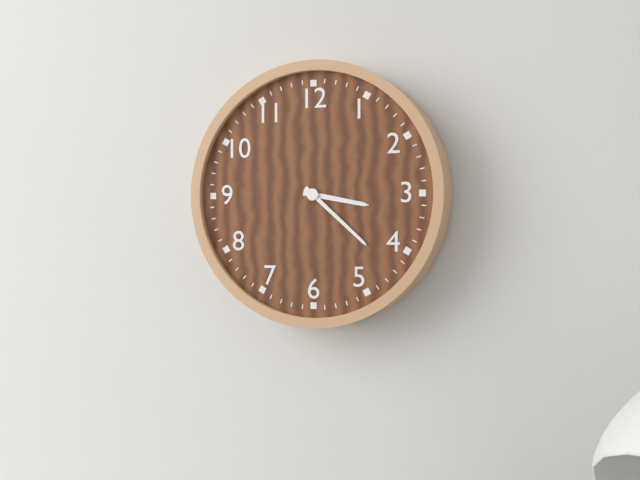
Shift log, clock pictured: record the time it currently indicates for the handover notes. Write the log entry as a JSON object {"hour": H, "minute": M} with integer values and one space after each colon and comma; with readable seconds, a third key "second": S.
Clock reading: {"hour": 3, "minute": 22}
